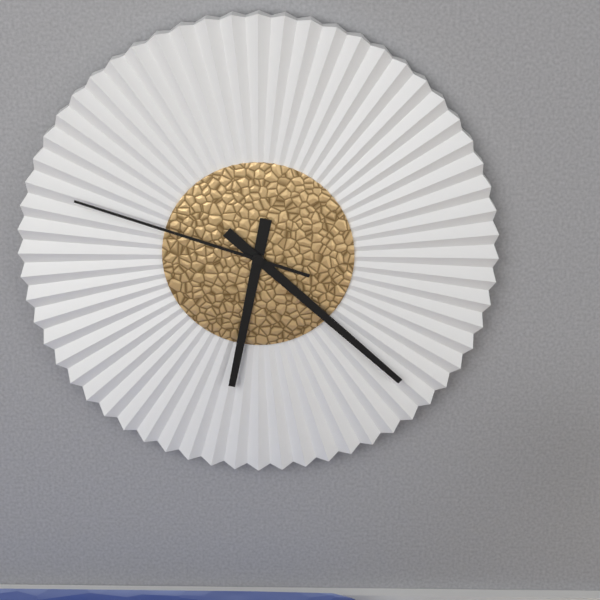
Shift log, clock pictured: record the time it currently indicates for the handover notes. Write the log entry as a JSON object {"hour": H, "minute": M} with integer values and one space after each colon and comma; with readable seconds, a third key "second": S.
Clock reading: {"hour": 6, "minute": 22, "second": 48}
